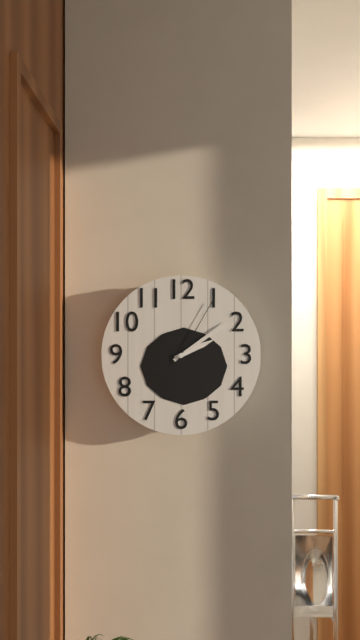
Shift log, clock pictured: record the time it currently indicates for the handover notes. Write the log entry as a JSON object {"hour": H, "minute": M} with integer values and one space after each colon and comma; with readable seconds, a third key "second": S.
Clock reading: {"hour": 2, "minute": 9, "second": 5}
